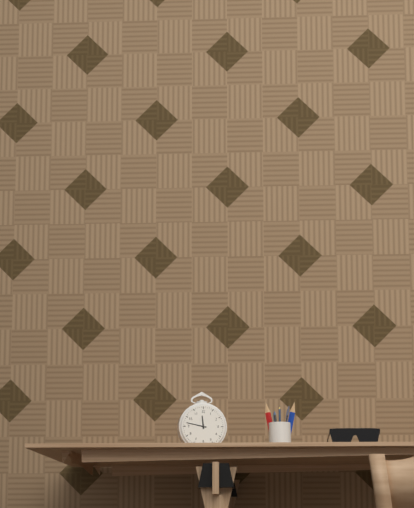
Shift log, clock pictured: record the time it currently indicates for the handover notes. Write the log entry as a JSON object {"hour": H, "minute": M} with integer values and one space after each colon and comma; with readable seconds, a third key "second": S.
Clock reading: {"hour": 11, "minute": 47}
